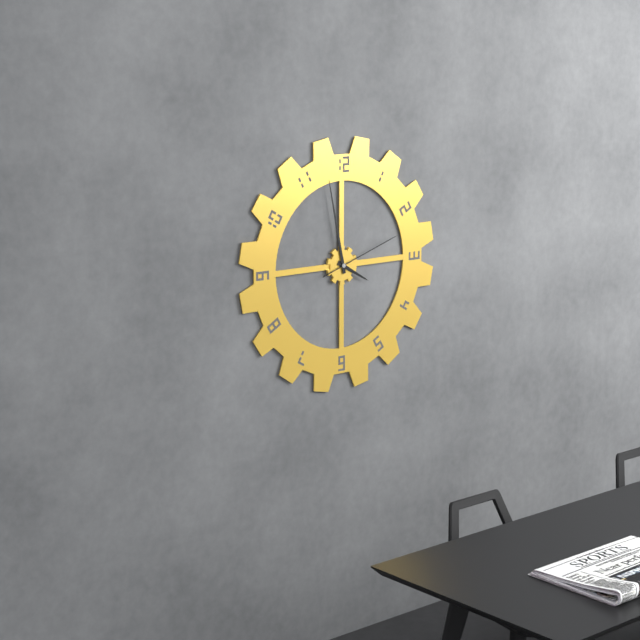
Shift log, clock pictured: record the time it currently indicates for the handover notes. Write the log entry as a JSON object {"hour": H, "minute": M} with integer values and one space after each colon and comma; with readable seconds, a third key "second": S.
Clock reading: {"hour": 3, "minute": 58, "second": 12}
